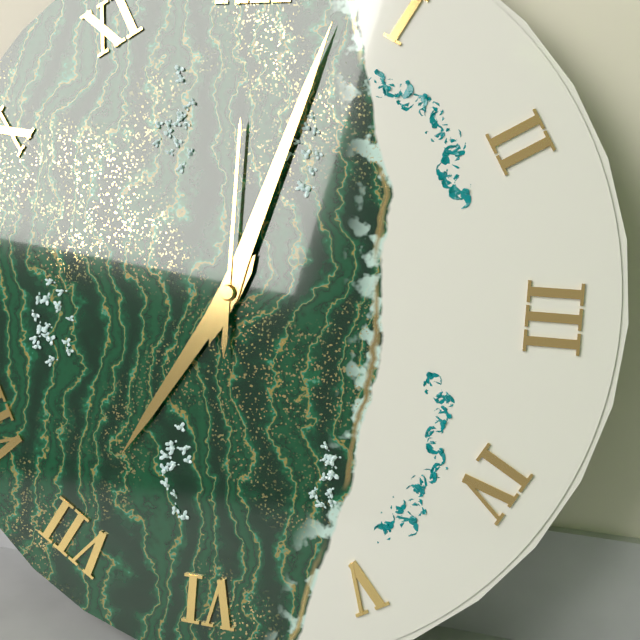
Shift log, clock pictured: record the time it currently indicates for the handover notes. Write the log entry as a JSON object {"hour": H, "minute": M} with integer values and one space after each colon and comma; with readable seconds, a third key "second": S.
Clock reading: {"hour": 7, "minute": 3, "second": 0}
